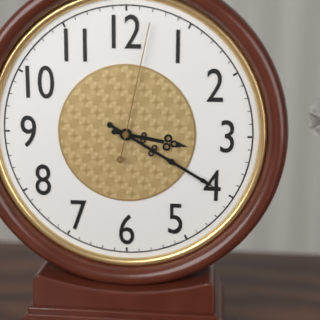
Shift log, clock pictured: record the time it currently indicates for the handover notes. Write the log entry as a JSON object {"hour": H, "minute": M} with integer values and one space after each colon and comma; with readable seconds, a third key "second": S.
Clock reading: {"hour": 3, "minute": 20, "second": 2}
